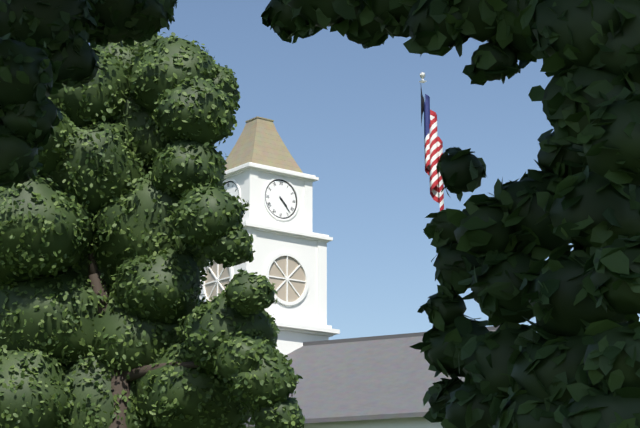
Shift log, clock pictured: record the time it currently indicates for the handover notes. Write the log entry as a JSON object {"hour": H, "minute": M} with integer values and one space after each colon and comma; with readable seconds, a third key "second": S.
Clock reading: {"hour": 4, "minute": 23}
